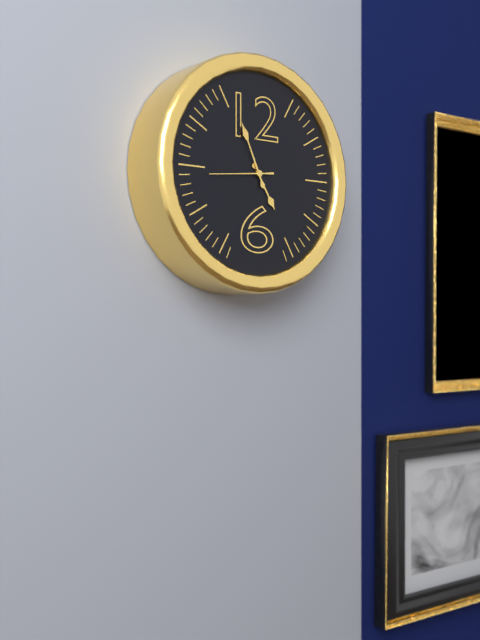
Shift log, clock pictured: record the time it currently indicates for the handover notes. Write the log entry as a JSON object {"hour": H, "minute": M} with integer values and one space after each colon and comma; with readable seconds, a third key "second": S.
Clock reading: {"hour": 4, "minute": 56}
